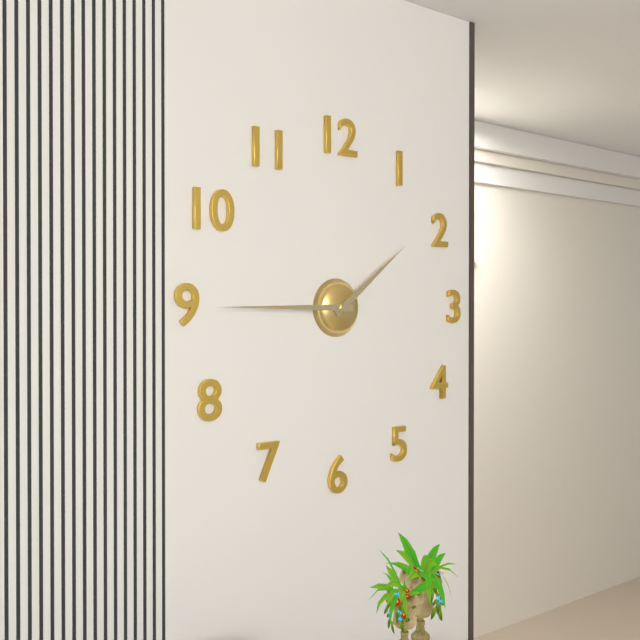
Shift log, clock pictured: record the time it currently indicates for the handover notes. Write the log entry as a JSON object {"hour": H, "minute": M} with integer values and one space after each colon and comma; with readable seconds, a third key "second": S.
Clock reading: {"hour": 1, "minute": 45}
